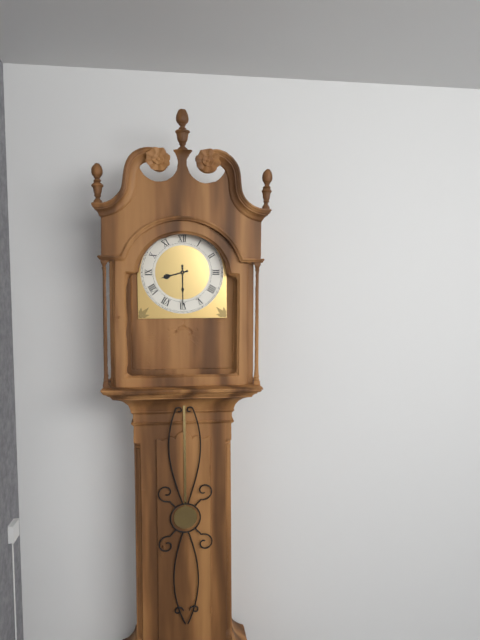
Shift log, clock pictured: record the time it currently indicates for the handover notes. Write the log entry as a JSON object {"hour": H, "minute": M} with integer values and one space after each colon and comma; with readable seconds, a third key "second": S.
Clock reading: {"hour": 8, "minute": 30}
